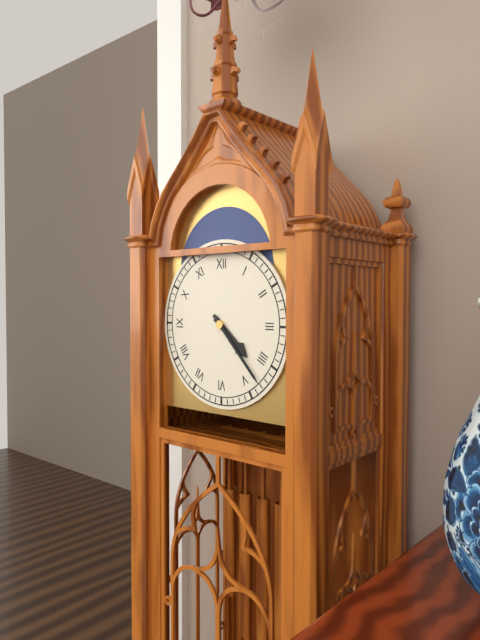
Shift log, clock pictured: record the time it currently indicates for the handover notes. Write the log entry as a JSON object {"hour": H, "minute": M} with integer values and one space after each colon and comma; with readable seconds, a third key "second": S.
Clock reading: {"hour": 4, "minute": 23}
